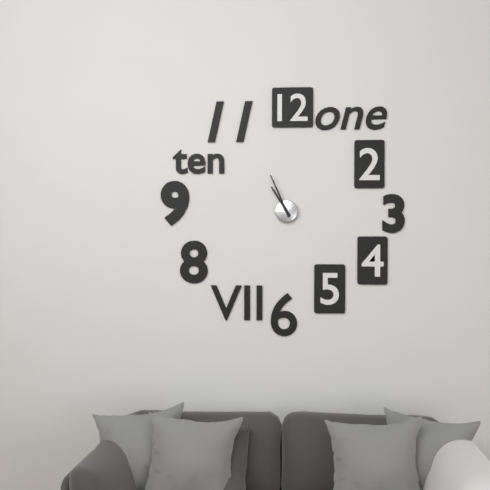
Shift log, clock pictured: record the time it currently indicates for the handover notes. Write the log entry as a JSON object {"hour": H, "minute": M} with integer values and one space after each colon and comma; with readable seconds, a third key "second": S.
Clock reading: {"hour": 10, "minute": 56}
